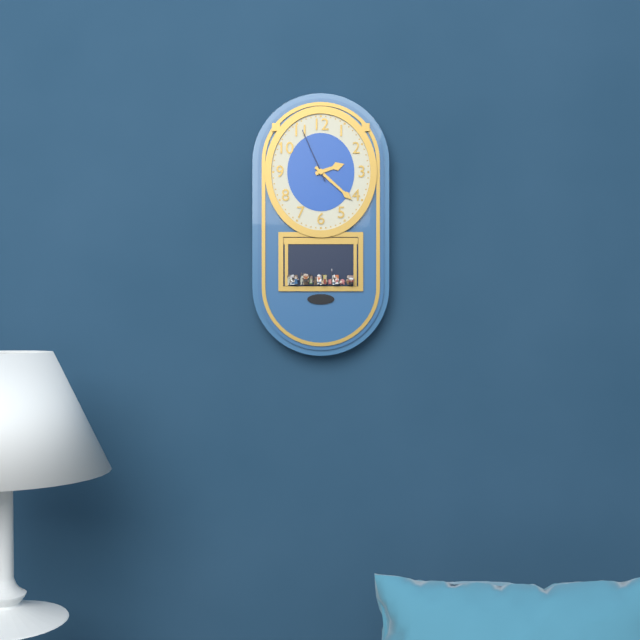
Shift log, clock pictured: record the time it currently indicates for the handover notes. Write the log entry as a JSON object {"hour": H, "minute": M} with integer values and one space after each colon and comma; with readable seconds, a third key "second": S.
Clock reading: {"hour": 2, "minute": 22, "second": 56}
